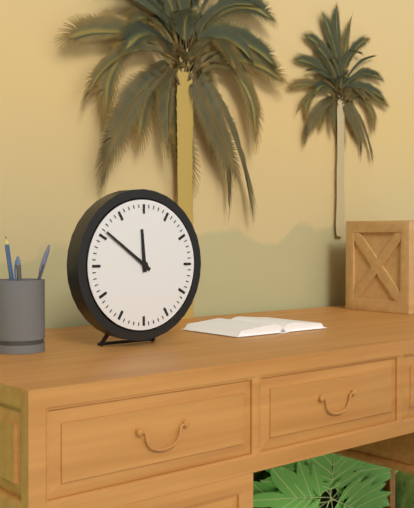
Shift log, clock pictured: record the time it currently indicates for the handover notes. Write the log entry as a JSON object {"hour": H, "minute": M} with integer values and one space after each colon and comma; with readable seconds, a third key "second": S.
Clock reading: {"hour": 11, "minute": 51}
